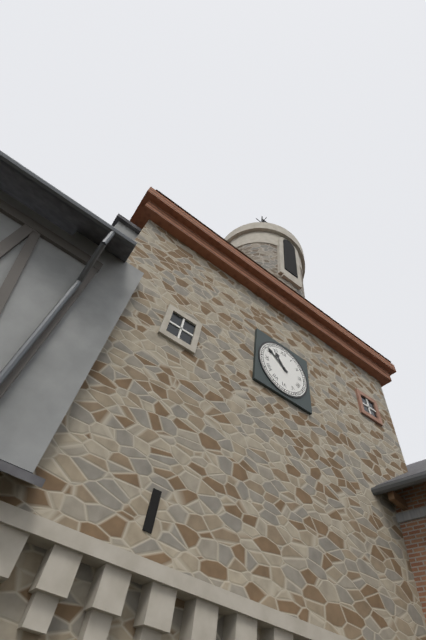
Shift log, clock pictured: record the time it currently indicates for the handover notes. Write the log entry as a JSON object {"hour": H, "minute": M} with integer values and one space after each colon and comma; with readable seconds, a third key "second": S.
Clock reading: {"hour": 10, "minute": 51}
